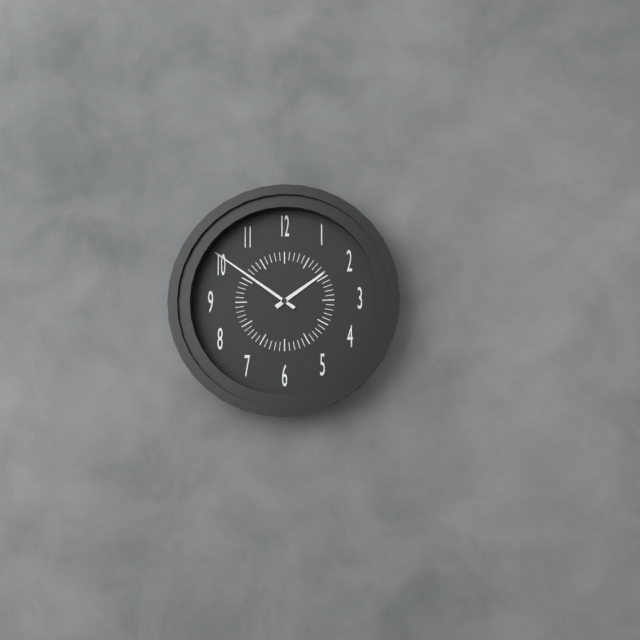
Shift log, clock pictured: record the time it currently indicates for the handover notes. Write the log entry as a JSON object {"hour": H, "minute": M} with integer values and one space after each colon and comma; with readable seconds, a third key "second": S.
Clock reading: {"hour": 1, "minute": 51}
